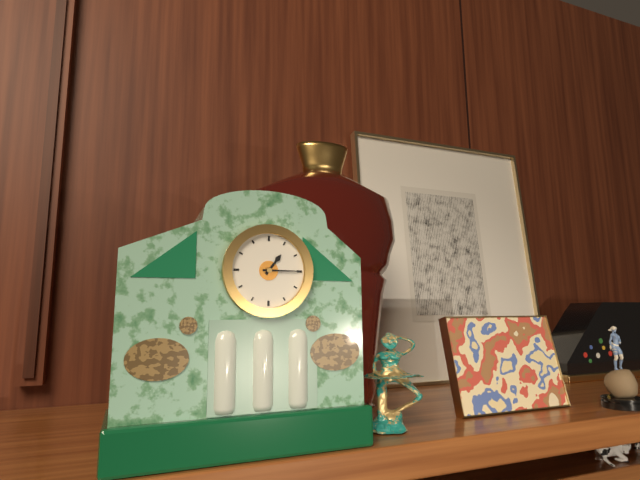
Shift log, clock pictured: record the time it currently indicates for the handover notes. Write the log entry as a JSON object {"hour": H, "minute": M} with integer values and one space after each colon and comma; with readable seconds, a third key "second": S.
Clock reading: {"hour": 1, "minute": 15}
